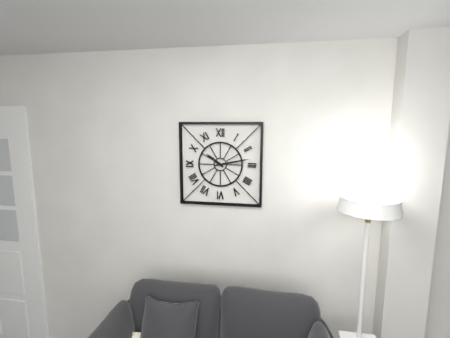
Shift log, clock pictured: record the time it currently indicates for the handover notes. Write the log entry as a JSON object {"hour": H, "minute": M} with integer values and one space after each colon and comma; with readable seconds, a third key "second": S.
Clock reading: {"hour": 10, "minute": 13}
